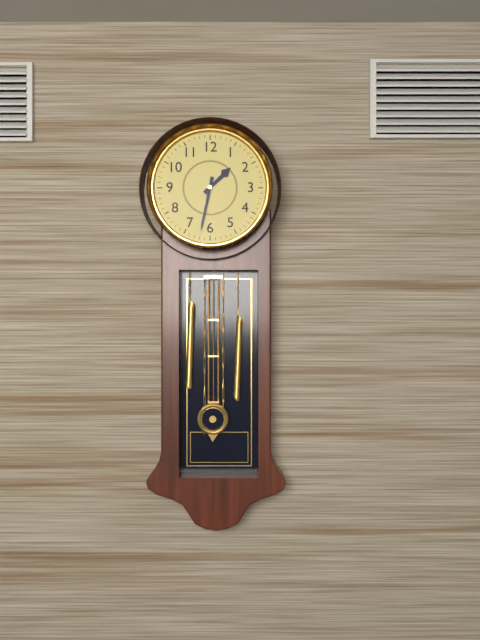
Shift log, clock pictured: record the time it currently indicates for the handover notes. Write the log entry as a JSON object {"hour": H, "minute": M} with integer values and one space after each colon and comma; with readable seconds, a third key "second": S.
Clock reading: {"hour": 1, "minute": 32}
